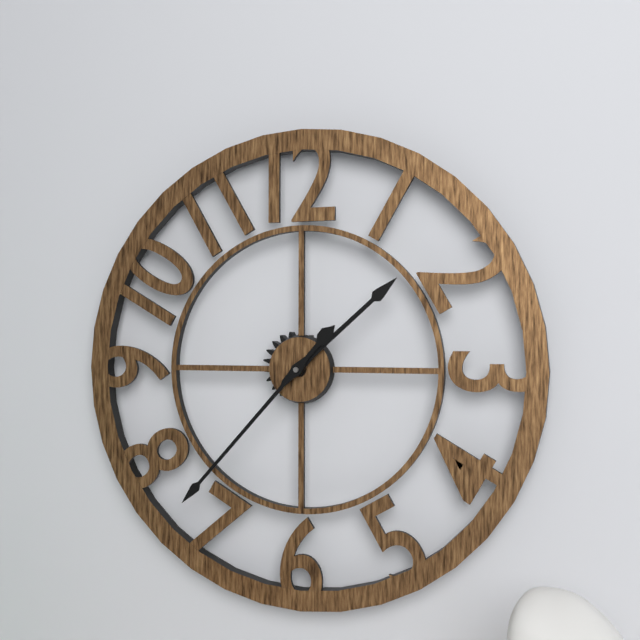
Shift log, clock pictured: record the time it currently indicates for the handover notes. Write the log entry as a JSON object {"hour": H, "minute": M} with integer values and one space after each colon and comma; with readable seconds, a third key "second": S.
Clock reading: {"hour": 1, "minute": 37}
